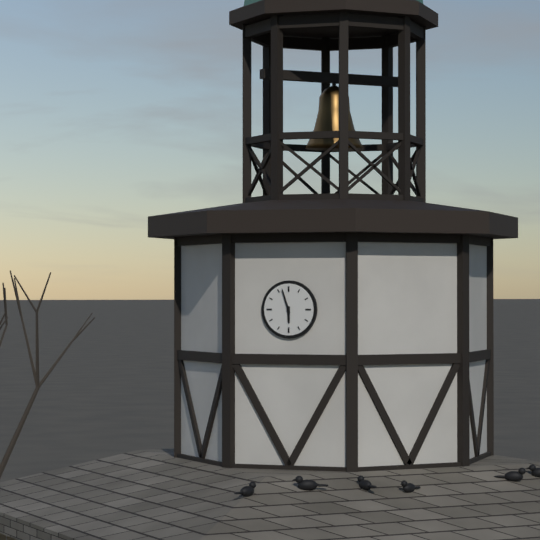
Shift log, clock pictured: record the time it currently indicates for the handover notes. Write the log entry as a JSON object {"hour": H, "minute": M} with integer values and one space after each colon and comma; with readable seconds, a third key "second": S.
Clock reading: {"hour": 5, "minute": 57}
